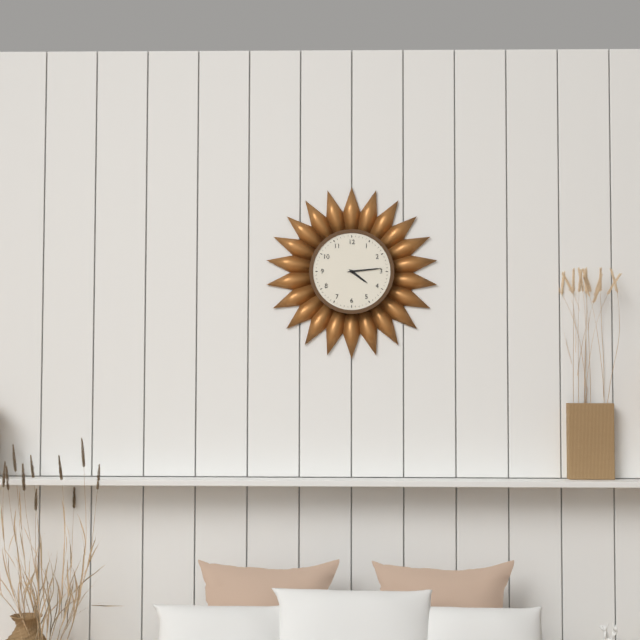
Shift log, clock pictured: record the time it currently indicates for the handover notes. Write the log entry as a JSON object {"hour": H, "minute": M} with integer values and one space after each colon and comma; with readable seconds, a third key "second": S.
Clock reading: {"hour": 4, "minute": 14}
